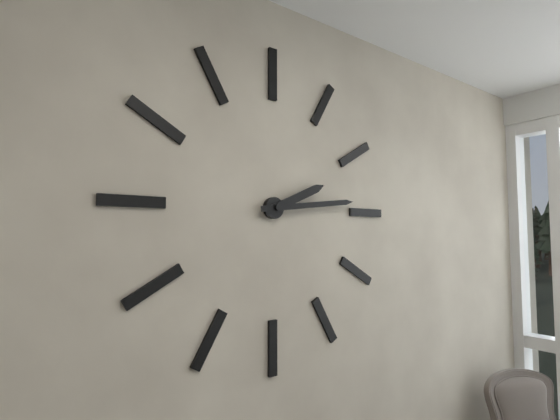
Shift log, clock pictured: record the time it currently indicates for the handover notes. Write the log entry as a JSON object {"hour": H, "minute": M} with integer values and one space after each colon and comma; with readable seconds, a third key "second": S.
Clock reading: {"hour": 2, "minute": 14}
